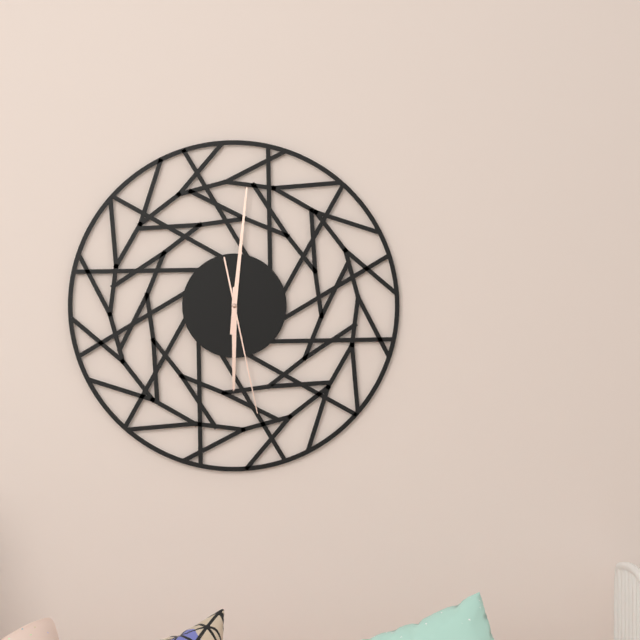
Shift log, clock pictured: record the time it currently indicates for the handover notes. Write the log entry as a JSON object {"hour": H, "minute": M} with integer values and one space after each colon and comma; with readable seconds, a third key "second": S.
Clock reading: {"hour": 6, "minute": 1, "second": 28}
